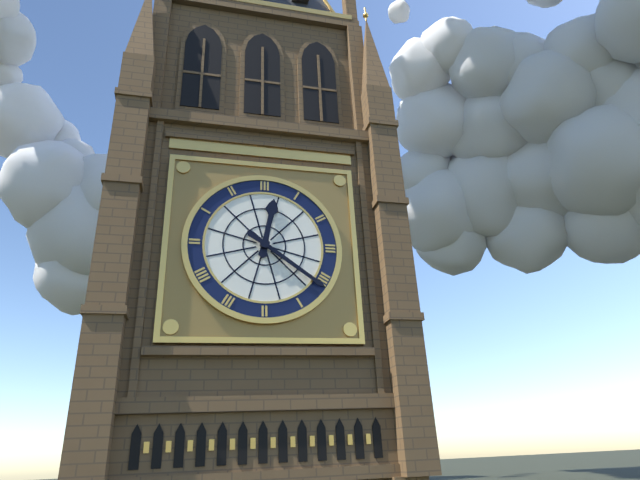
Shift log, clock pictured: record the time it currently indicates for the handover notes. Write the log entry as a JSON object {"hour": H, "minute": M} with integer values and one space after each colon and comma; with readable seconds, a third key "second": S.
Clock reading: {"hour": 12, "minute": 21}
